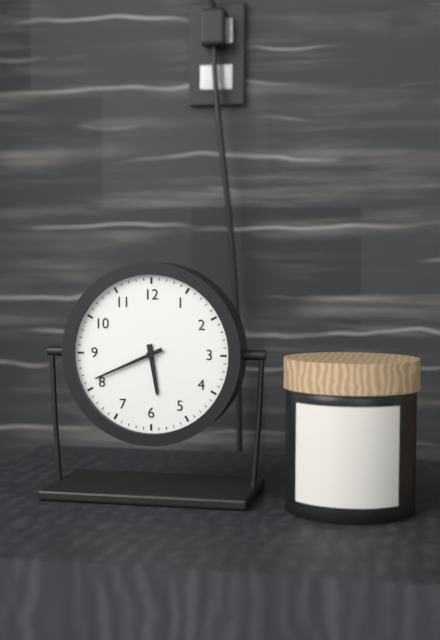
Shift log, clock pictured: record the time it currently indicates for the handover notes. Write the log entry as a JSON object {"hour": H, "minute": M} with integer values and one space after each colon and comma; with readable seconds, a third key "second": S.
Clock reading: {"hour": 5, "minute": 41}
